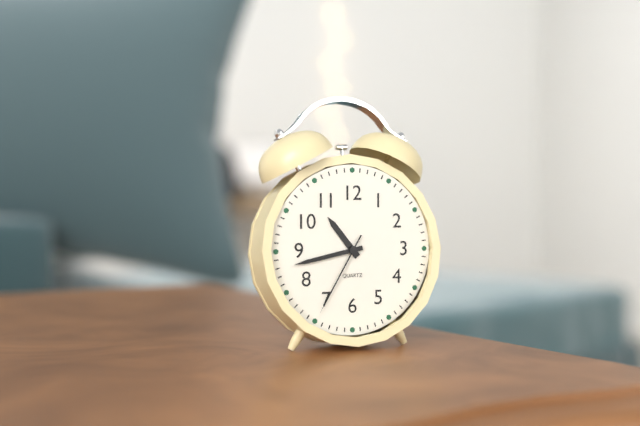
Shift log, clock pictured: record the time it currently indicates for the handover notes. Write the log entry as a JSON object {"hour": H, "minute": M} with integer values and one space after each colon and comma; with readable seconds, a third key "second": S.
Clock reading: {"hour": 10, "minute": 43, "second": 35}
